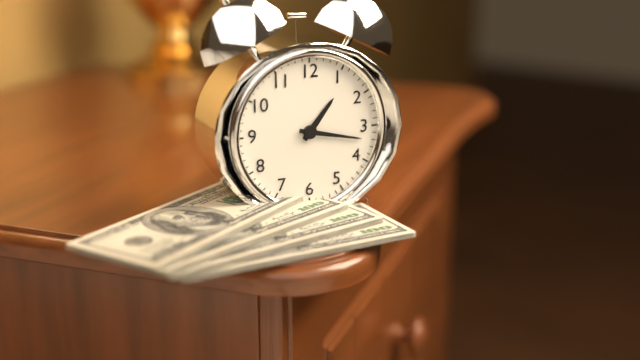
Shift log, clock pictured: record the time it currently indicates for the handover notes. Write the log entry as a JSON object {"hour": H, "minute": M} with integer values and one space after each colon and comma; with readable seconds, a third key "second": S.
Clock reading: {"hour": 1, "minute": 17}
